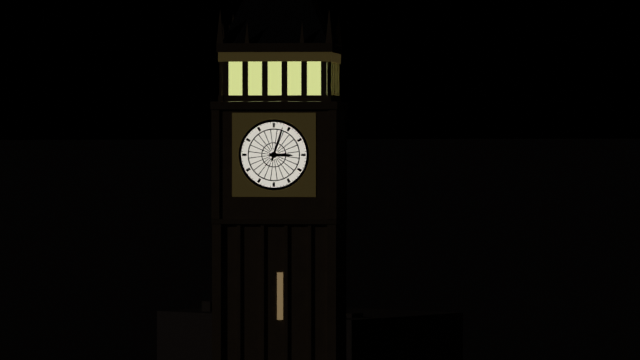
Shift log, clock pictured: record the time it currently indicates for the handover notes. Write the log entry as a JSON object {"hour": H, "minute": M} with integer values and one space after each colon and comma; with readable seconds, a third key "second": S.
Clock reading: {"hour": 3, "minute": 3}
